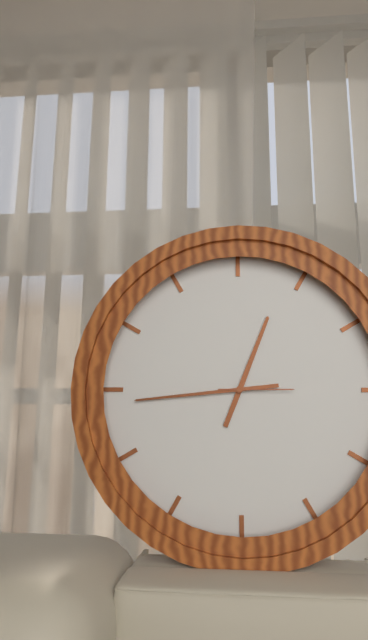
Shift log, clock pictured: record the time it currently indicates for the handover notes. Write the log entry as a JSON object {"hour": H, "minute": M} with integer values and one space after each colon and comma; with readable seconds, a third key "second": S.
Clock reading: {"hour": 12, "minute": 44, "second": 15}
